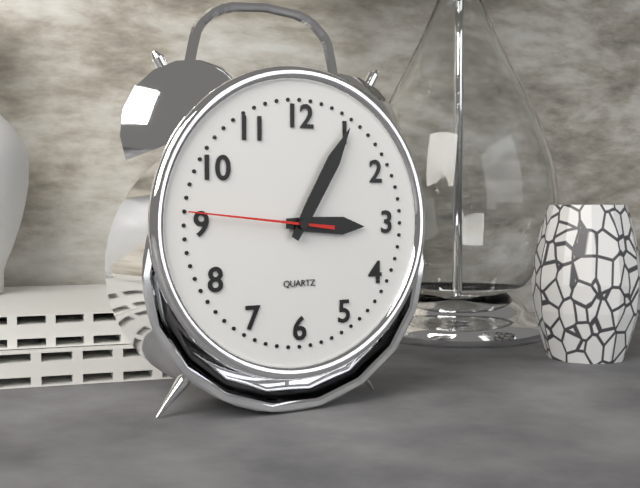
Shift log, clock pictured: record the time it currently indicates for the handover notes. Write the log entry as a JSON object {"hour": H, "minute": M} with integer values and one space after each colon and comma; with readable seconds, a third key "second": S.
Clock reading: {"hour": 3, "minute": 5, "second": 46}
